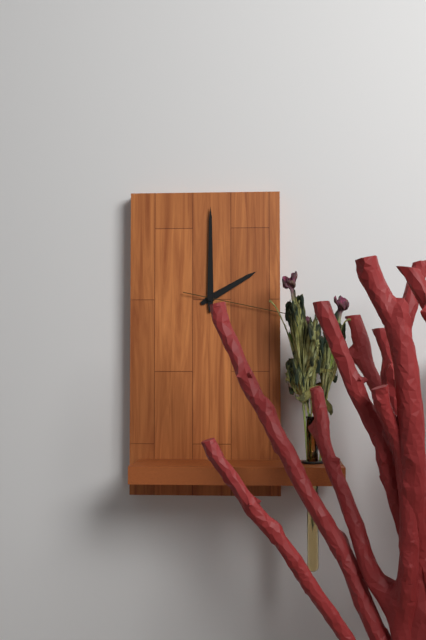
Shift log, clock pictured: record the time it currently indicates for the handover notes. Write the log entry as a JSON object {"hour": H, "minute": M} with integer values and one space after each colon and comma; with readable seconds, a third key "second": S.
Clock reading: {"hour": 2, "minute": 0, "second": 17}
